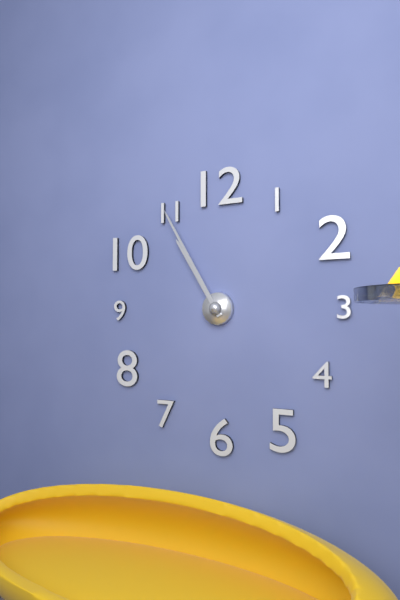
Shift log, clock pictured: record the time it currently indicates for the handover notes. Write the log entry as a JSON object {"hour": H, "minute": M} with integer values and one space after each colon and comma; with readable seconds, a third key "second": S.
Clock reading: {"hour": 10, "minute": 55}
